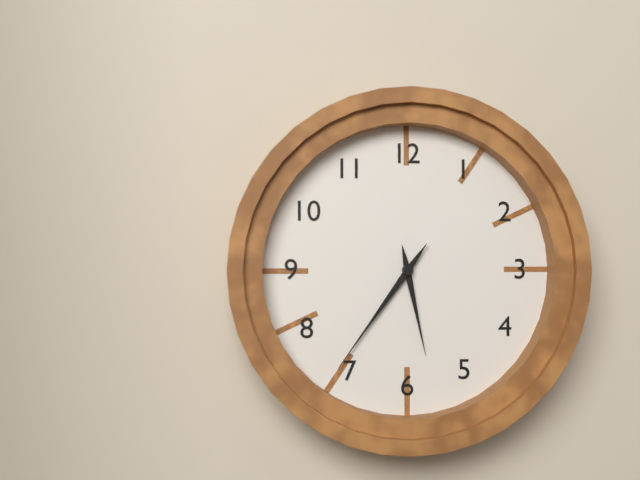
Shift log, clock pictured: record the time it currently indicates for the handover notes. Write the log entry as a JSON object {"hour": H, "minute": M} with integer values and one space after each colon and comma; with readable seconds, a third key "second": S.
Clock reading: {"hour": 5, "minute": 36}
